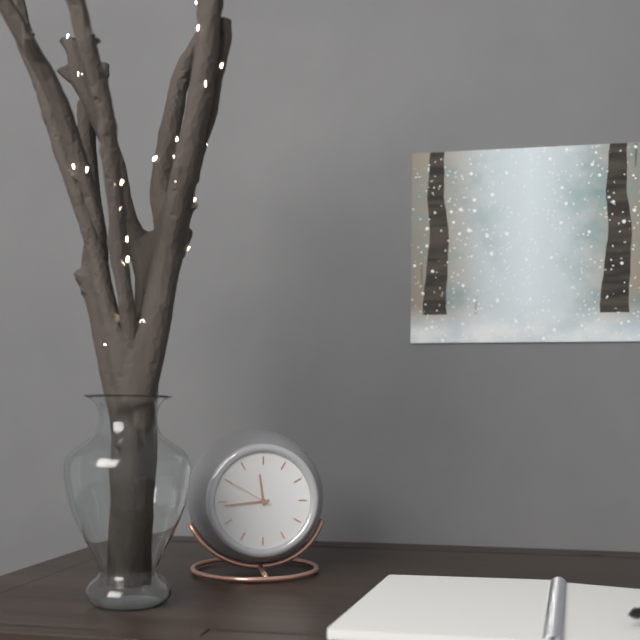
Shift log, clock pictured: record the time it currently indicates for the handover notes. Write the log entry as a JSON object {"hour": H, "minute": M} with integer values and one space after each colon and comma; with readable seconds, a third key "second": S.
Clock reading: {"hour": 11, "minute": 44, "second": 50}
